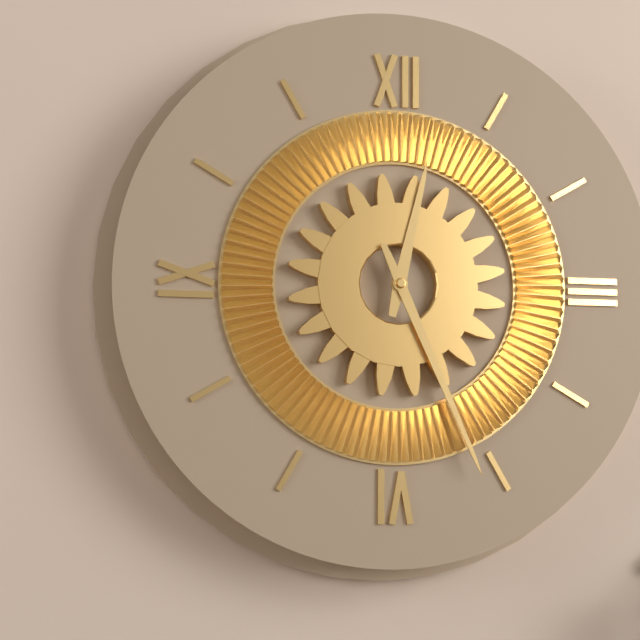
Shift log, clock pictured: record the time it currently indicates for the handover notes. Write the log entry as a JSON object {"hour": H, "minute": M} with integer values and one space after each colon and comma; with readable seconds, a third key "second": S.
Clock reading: {"hour": 12, "minute": 26}
